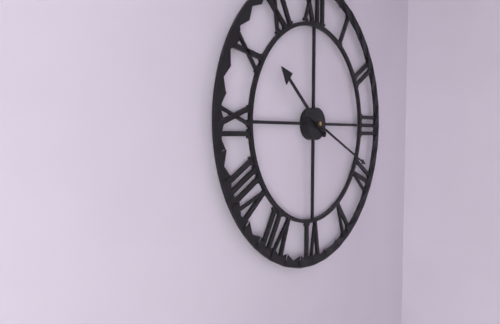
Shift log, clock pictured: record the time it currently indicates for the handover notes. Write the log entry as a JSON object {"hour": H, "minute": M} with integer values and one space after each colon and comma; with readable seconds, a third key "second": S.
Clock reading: {"hour": 10, "minute": 19}
